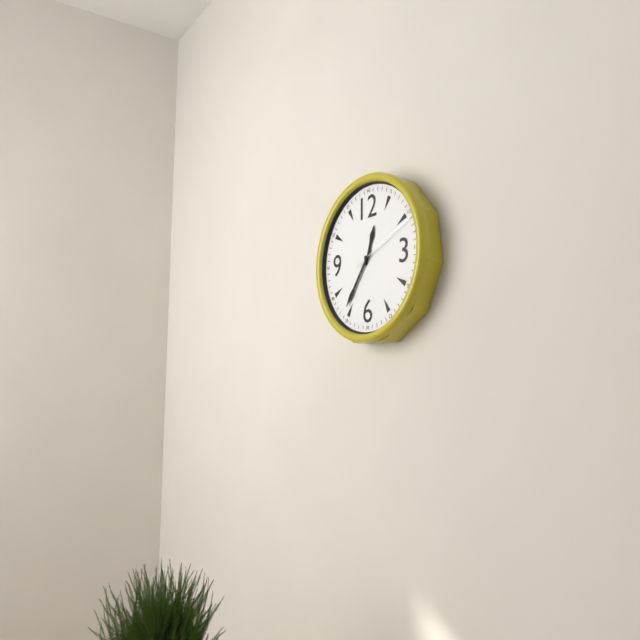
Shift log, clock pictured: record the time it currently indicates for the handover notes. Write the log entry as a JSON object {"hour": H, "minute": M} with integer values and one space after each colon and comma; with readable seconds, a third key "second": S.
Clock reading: {"hour": 12, "minute": 36, "second": 11}
